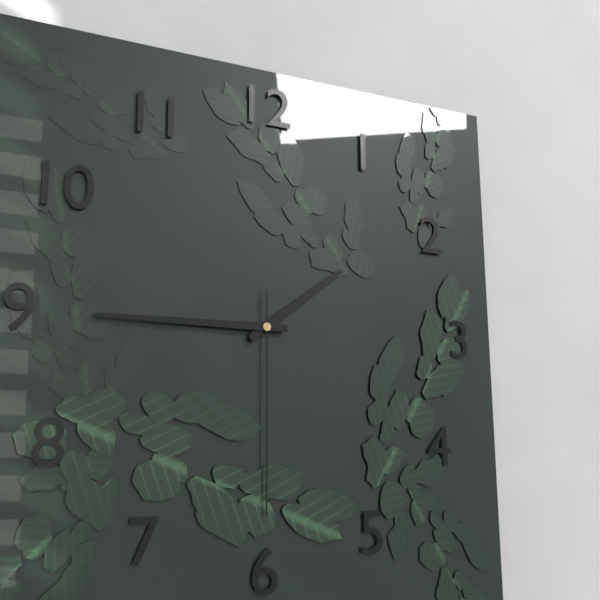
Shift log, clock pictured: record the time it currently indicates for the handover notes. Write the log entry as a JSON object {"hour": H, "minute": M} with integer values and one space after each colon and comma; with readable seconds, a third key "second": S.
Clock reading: {"hour": 1, "minute": 45, "second": 30}
